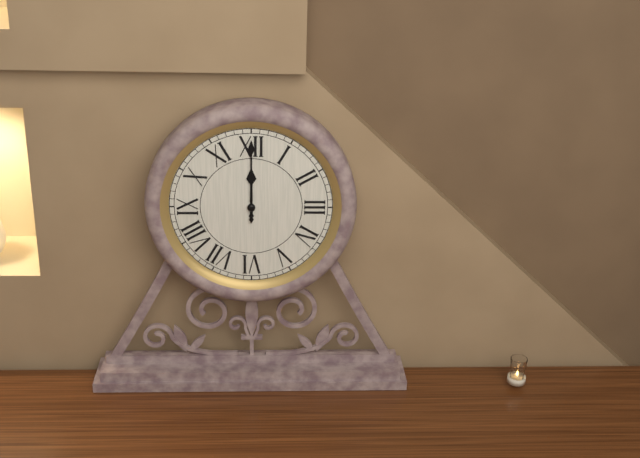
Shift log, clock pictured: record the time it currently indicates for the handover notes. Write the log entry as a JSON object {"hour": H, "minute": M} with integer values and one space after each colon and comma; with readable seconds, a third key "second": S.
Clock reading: {"hour": 12, "minute": 0}
